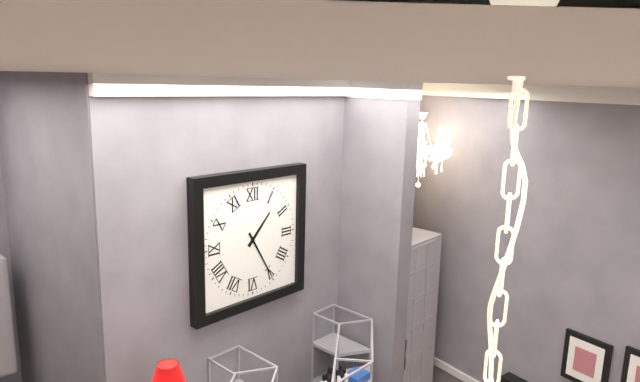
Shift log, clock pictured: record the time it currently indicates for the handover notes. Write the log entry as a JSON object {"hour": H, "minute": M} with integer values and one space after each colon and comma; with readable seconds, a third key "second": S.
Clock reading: {"hour": 1, "minute": 25}
